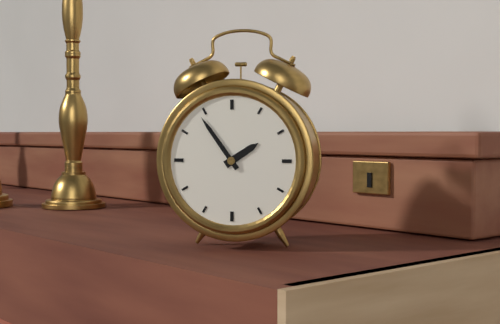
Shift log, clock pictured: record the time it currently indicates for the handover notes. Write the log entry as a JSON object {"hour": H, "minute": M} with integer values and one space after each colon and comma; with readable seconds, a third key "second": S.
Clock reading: {"hour": 1, "minute": 54}
